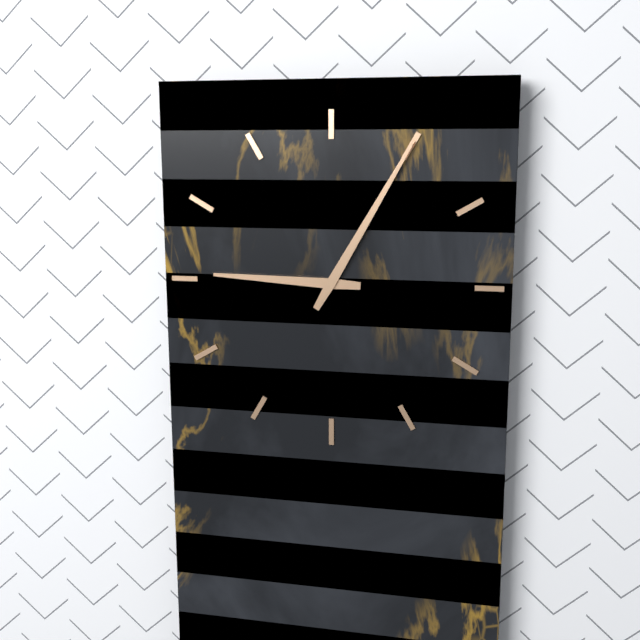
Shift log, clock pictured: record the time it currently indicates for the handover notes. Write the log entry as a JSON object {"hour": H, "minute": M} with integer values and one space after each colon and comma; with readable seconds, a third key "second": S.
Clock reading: {"hour": 9, "minute": 5}
